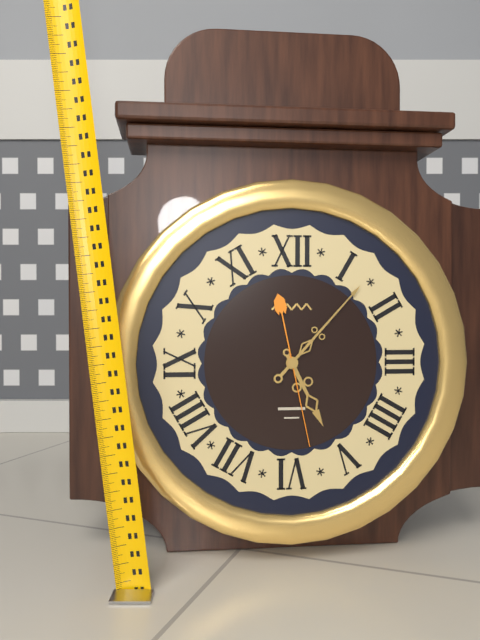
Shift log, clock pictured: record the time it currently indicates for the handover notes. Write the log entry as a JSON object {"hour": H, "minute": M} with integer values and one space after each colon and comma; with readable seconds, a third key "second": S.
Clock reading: {"hour": 5, "minute": 7, "second": 28}
